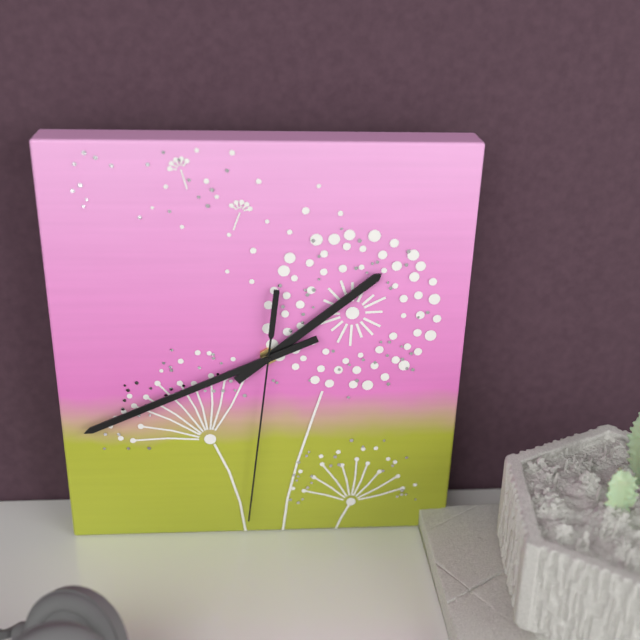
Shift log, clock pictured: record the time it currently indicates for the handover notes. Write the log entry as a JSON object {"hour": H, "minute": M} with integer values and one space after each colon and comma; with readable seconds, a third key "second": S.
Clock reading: {"hour": 1, "minute": 41, "second": 31}
